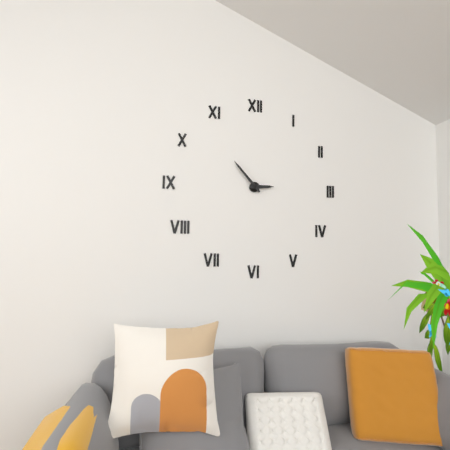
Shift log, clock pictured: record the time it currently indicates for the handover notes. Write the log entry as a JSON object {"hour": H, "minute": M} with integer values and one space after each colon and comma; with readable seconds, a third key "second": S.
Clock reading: {"hour": 2, "minute": 53}
